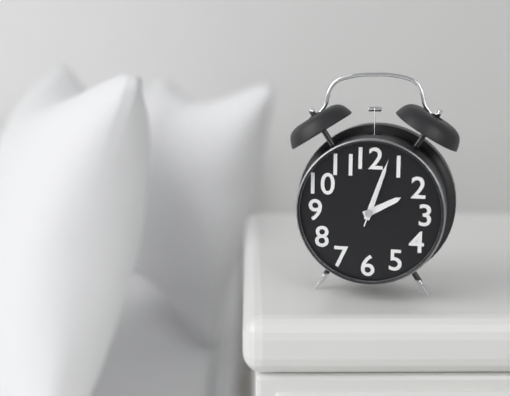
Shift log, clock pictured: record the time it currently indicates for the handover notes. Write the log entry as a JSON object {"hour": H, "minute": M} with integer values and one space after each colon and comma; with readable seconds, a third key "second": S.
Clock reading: {"hour": 2, "minute": 3, "second": 3}
